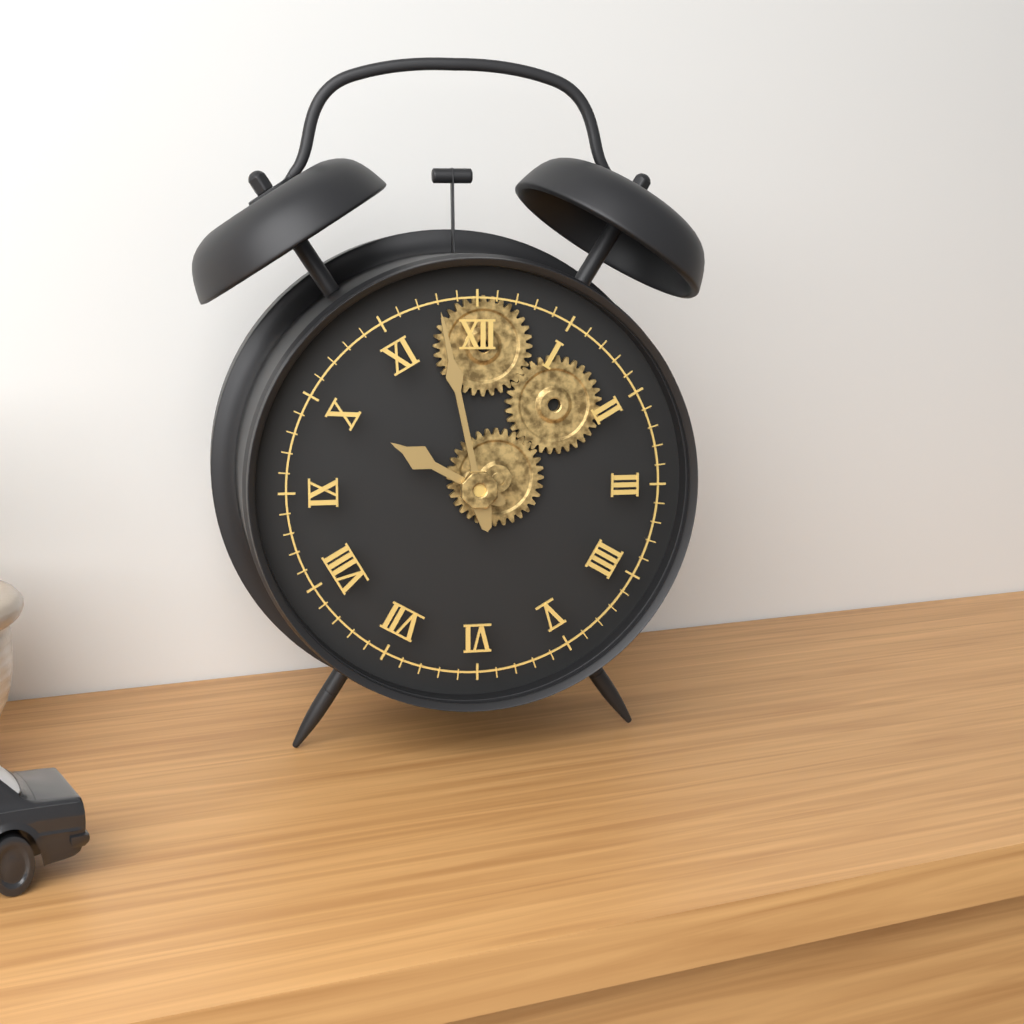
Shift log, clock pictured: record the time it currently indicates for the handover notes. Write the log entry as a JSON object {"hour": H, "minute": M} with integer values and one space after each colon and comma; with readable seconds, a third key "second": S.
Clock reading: {"hour": 9, "minute": 58}
